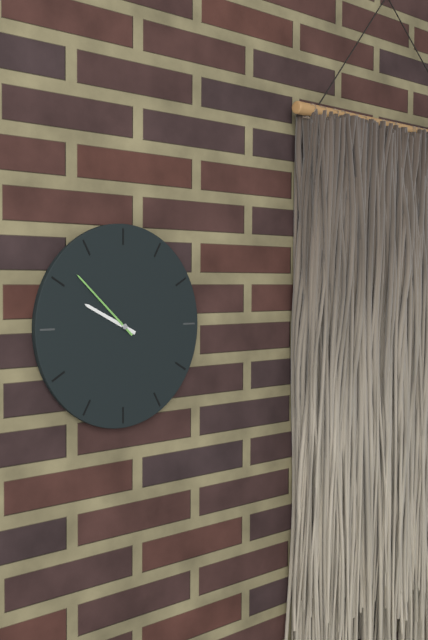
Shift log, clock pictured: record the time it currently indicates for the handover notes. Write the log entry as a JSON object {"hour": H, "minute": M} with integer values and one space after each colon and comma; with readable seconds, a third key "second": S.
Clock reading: {"hour": 9, "minute": 52}
